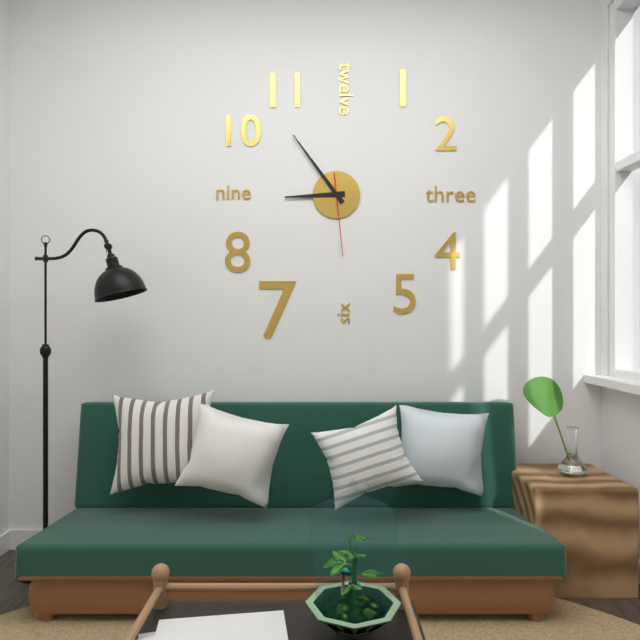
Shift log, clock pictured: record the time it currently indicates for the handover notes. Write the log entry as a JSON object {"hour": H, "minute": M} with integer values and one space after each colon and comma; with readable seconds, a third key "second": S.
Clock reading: {"hour": 8, "minute": 54, "second": 29}
